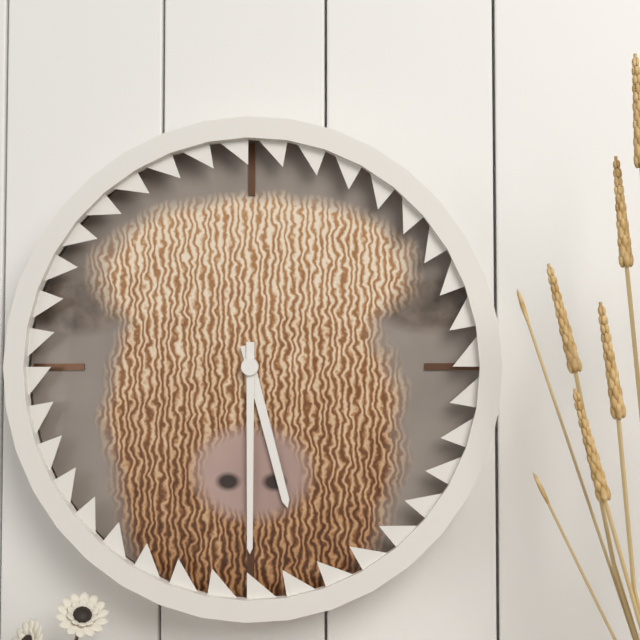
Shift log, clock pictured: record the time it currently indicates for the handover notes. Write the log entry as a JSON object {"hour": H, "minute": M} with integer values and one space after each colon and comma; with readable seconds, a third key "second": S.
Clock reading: {"hour": 5, "minute": 30}
